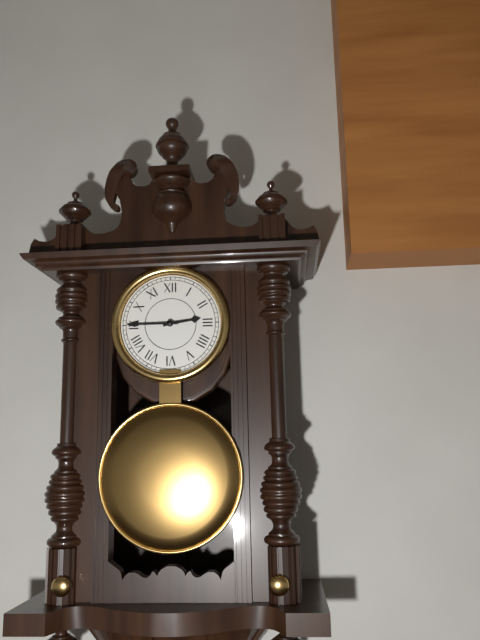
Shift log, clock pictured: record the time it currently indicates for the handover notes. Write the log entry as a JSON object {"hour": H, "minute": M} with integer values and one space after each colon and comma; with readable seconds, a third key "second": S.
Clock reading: {"hour": 2, "minute": 45}
